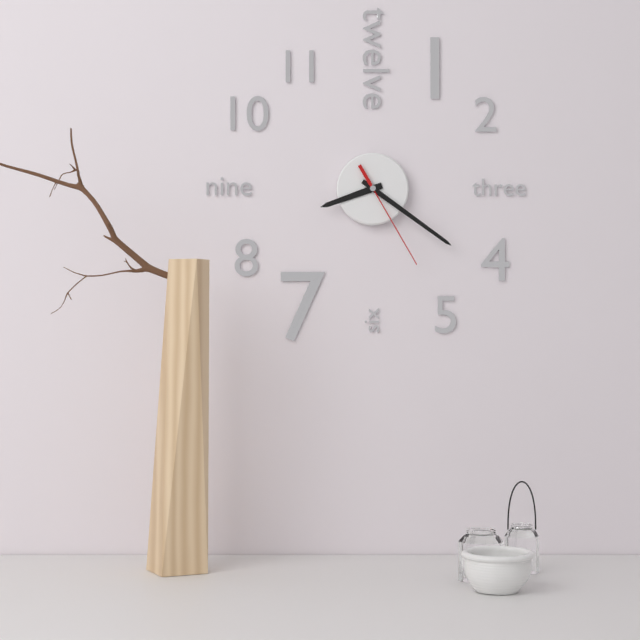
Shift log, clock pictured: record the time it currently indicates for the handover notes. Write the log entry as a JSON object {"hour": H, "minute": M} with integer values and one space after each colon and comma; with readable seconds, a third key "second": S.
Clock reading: {"hour": 8, "minute": 21, "second": 25}
